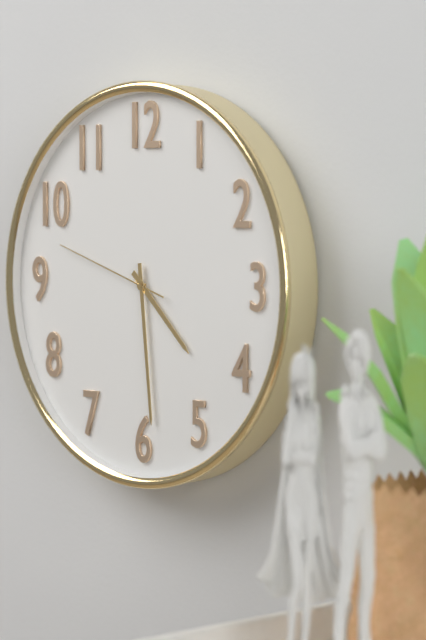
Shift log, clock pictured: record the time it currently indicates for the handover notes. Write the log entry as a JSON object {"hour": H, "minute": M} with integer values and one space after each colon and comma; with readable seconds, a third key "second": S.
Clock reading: {"hour": 4, "minute": 29, "second": 48}
